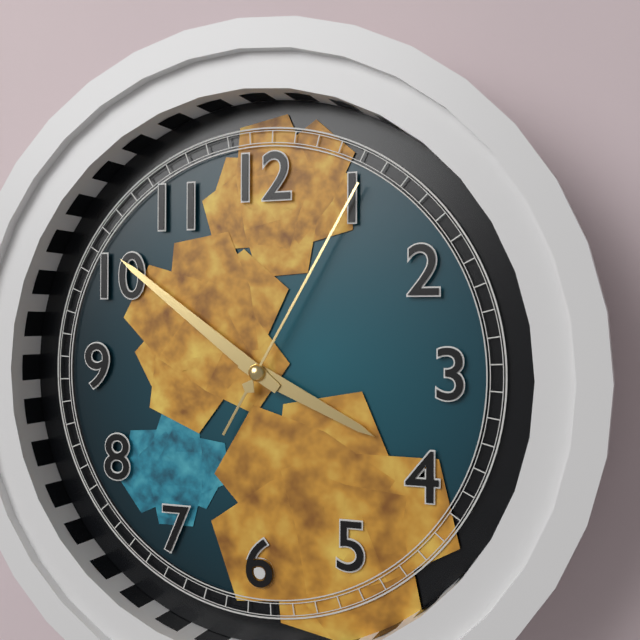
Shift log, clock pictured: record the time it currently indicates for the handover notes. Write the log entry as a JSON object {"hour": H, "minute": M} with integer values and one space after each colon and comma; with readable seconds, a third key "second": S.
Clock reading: {"hour": 3, "minute": 51, "second": 5}
